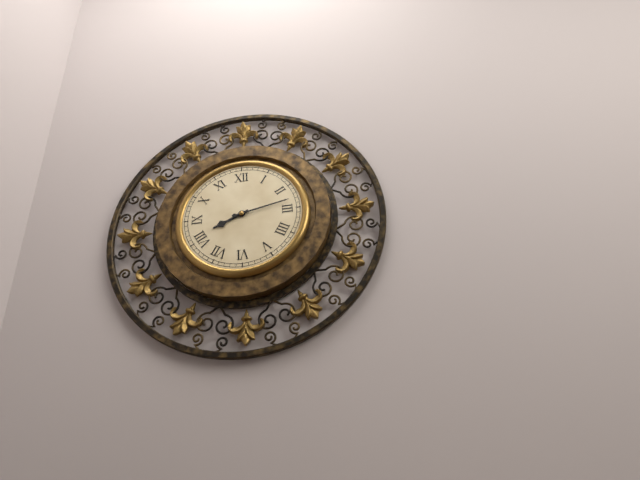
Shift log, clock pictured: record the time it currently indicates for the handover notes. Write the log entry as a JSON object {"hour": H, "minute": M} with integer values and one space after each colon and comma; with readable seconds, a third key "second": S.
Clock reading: {"hour": 8, "minute": 13}
